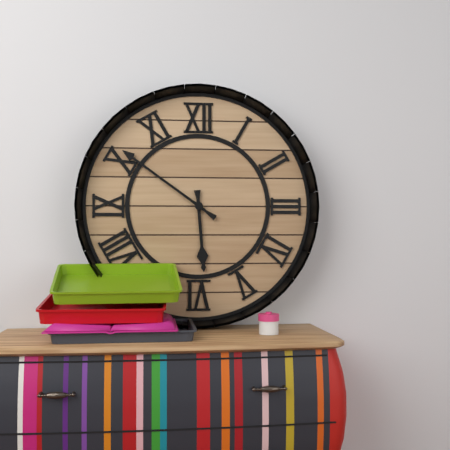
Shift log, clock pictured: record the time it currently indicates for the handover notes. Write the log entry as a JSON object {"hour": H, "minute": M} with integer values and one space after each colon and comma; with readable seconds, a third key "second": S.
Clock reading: {"hour": 5, "minute": 51}
